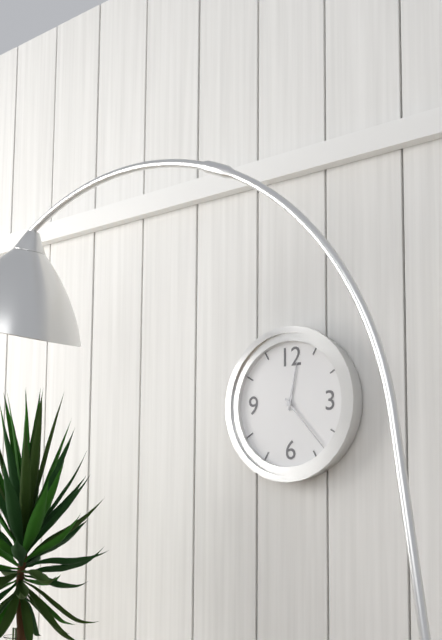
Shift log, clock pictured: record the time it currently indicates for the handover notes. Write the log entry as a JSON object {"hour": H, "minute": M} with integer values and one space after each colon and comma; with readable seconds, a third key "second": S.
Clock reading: {"hour": 12, "minute": 23}
